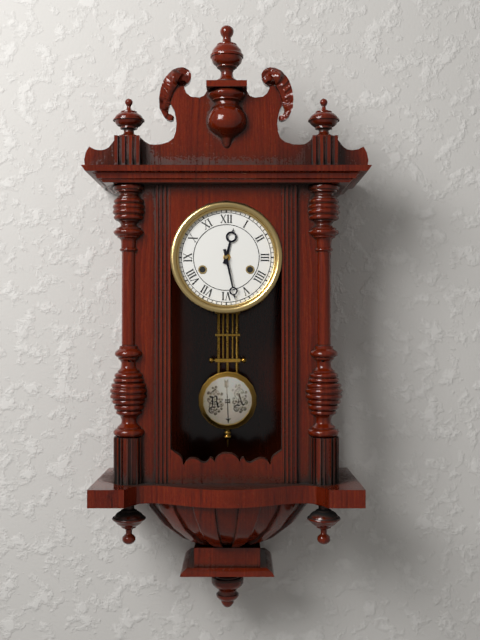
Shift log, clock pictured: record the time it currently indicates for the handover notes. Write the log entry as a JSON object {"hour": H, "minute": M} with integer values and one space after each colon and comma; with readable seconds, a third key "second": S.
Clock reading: {"hour": 12, "minute": 28}
